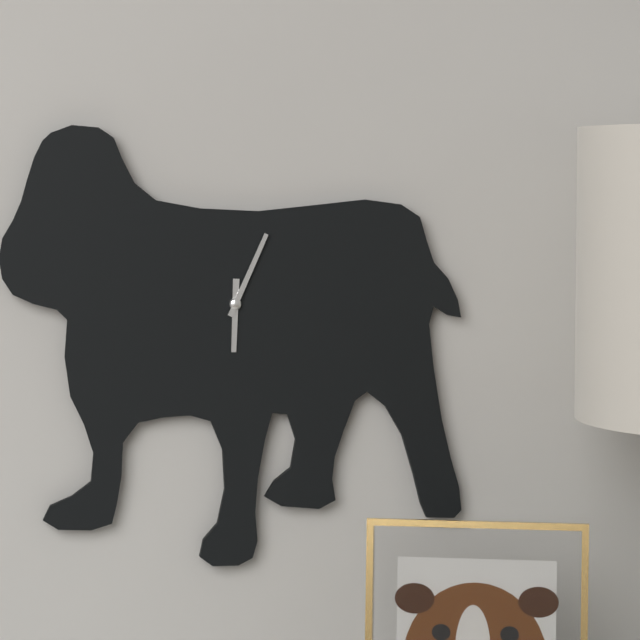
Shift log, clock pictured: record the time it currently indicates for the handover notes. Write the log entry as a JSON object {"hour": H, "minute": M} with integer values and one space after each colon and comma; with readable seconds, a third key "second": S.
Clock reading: {"hour": 6, "minute": 4}
